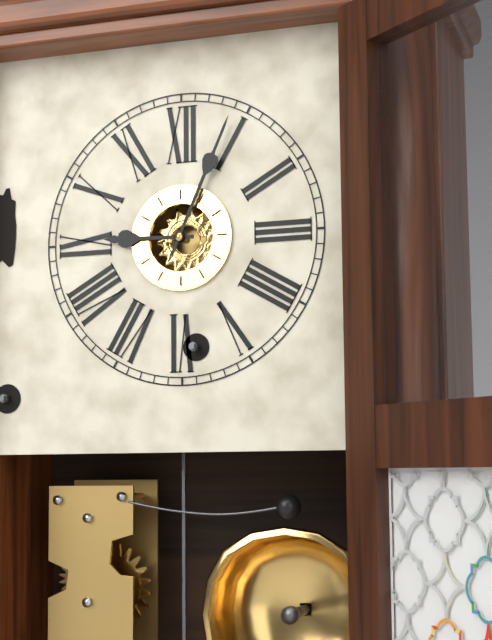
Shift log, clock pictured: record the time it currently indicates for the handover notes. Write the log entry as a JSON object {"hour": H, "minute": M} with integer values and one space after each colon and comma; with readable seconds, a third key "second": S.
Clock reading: {"hour": 9, "minute": 4}
